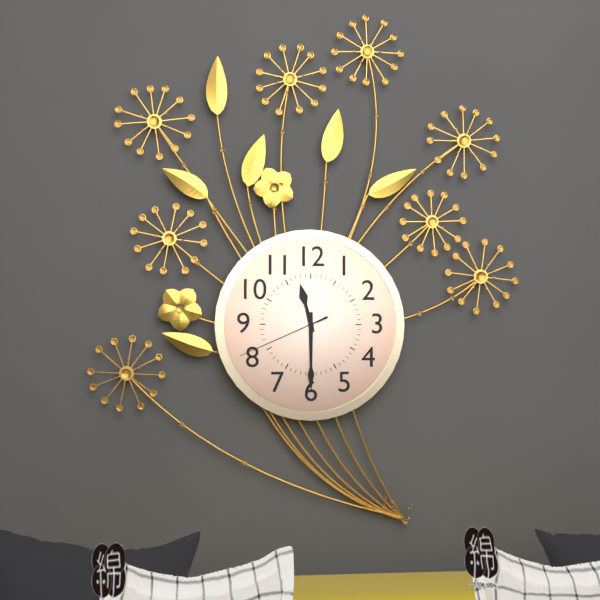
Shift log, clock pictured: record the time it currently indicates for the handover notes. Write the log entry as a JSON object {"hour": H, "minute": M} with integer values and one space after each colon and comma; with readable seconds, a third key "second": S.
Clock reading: {"hour": 11, "minute": 30, "second": 41}
